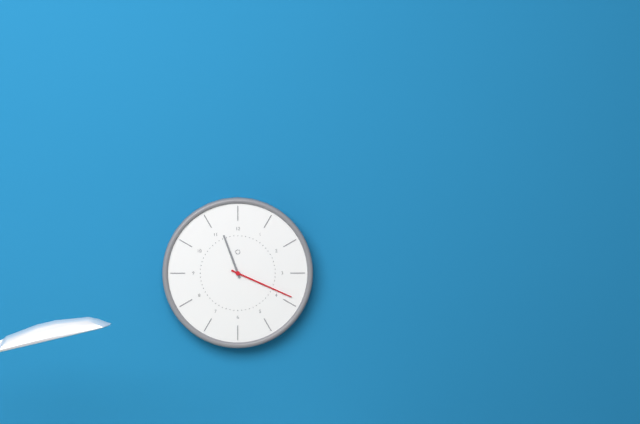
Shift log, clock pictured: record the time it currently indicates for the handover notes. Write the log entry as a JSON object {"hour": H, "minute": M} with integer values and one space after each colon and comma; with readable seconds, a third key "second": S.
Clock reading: {"hour": 11, "minute": 19}
